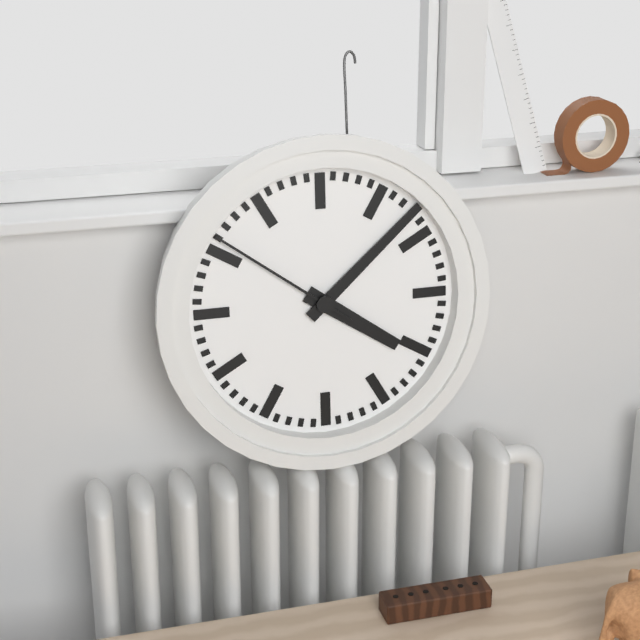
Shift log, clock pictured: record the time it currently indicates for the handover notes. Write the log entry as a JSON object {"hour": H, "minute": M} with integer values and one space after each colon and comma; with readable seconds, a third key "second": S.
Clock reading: {"hour": 4, "minute": 8, "second": 51}
